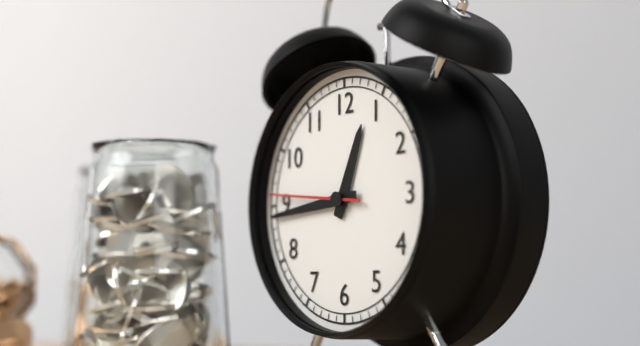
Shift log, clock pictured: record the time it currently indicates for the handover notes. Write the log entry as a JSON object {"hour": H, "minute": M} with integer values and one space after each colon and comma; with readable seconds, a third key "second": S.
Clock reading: {"hour": 12, "minute": 44, "second": 46}
